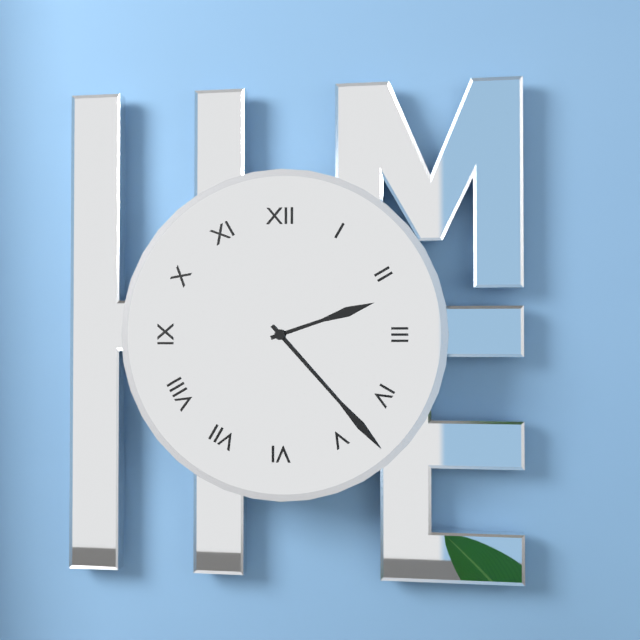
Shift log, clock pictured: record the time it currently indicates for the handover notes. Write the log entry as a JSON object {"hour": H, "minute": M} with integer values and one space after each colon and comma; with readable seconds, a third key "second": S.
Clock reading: {"hour": 2, "minute": 23}
